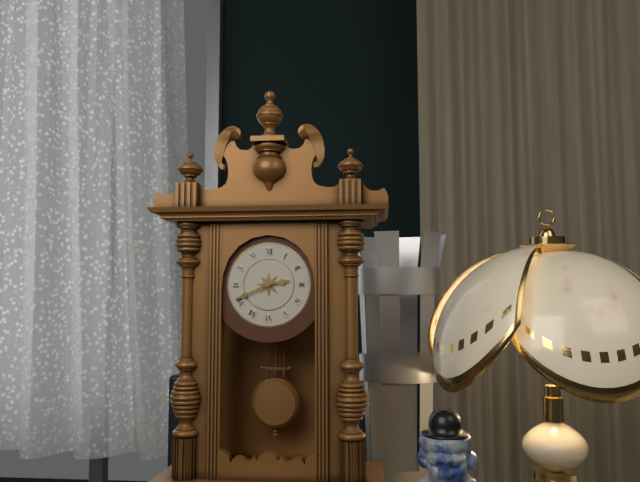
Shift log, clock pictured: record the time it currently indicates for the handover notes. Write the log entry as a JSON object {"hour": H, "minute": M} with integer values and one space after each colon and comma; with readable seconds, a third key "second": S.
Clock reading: {"hour": 2, "minute": 41}
